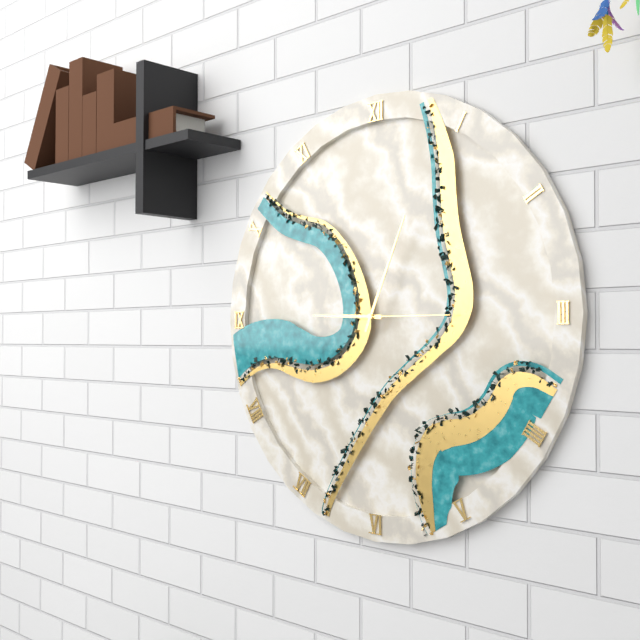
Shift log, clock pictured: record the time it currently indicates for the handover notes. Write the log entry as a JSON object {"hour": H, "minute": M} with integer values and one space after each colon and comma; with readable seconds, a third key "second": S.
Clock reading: {"hour": 9, "minute": 4, "second": 15}
